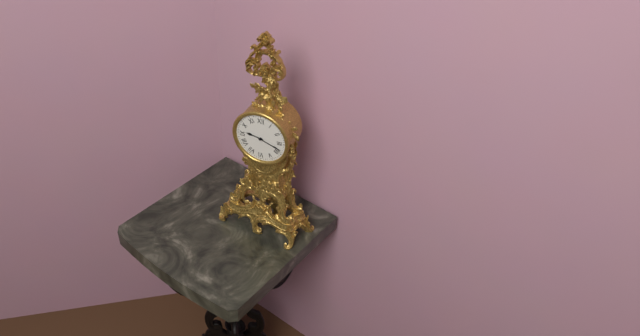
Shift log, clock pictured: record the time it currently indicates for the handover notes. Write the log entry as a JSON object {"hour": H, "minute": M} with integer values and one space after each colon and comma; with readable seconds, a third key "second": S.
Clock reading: {"hour": 9, "minute": 18}
